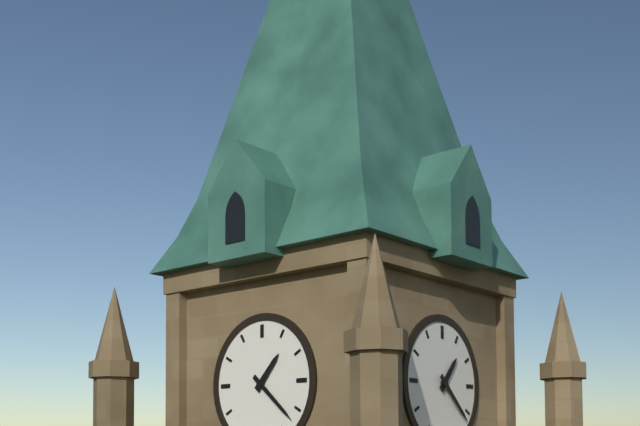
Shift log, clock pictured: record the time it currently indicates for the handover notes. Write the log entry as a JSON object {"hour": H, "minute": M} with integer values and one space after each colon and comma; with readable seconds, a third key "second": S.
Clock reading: {"hour": 1, "minute": 22}
